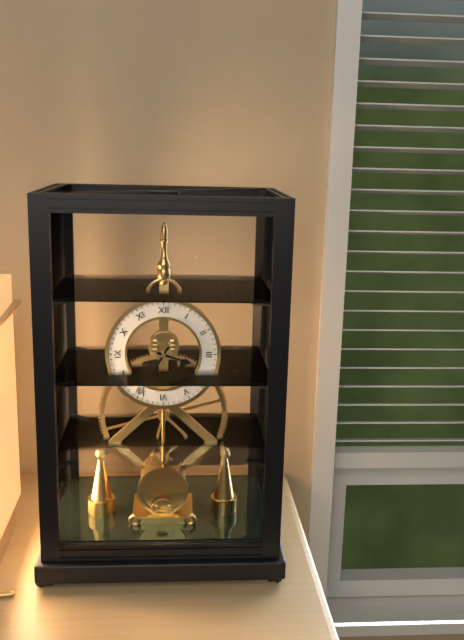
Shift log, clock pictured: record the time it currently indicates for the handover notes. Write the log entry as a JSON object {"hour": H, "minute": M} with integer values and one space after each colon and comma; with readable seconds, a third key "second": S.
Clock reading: {"hour": 3, "minute": 35}
